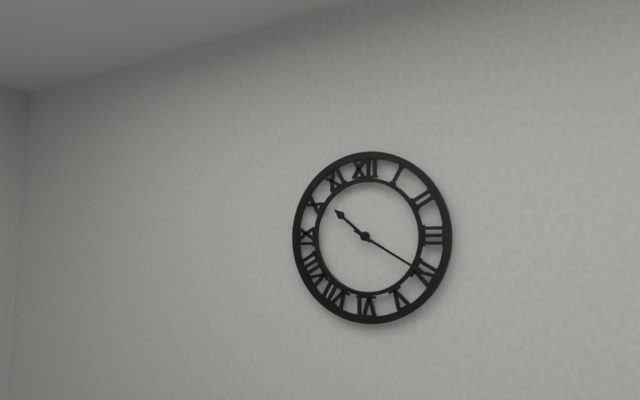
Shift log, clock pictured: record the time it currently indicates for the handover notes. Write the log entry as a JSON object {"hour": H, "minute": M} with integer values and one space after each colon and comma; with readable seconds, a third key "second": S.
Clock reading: {"hour": 10, "minute": 20}
